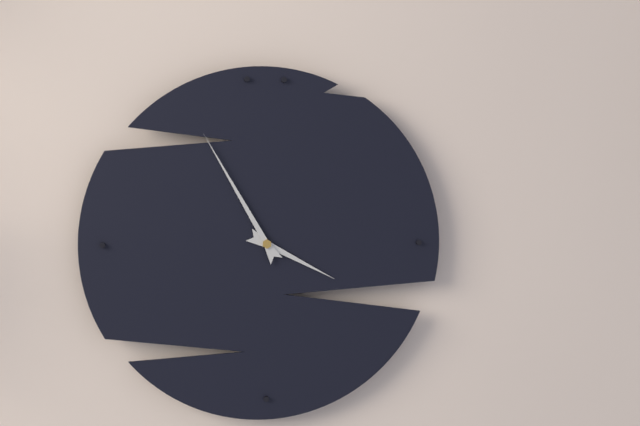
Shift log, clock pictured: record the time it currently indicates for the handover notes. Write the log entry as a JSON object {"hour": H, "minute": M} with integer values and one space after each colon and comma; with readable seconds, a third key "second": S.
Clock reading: {"hour": 3, "minute": 55}
